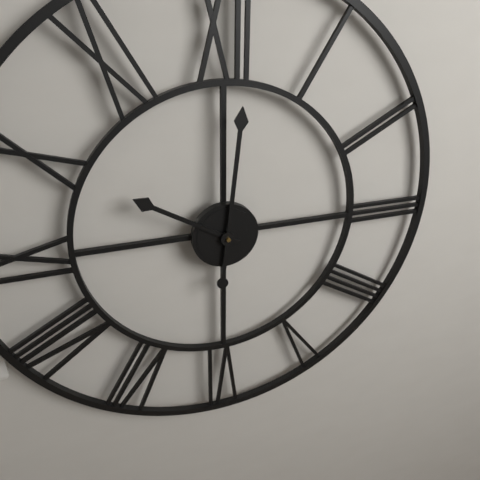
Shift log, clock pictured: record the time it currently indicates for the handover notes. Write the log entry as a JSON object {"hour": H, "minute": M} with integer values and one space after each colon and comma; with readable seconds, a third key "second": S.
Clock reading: {"hour": 10, "minute": 1}
